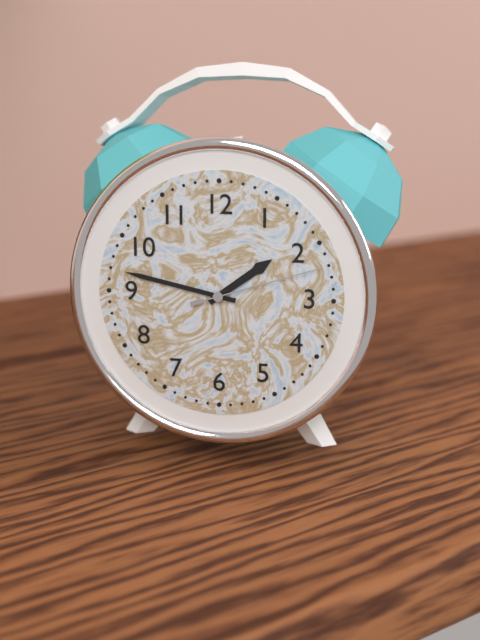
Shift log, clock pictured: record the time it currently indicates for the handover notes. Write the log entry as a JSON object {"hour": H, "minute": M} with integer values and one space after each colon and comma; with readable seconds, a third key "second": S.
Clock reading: {"hour": 1, "minute": 47, "second": 12}
